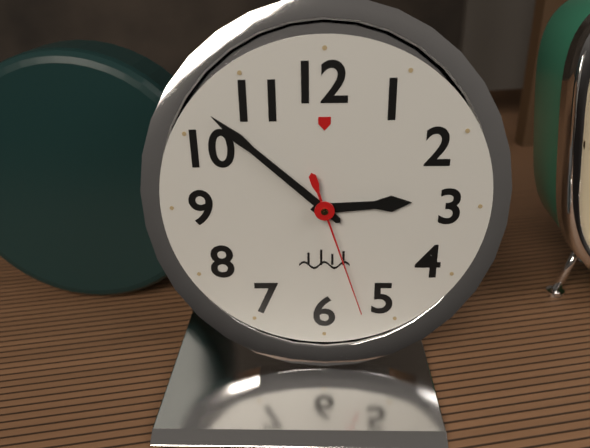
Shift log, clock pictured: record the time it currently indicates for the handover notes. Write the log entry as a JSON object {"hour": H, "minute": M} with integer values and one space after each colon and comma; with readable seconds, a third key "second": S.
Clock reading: {"hour": 2, "minute": 52, "second": 27}
